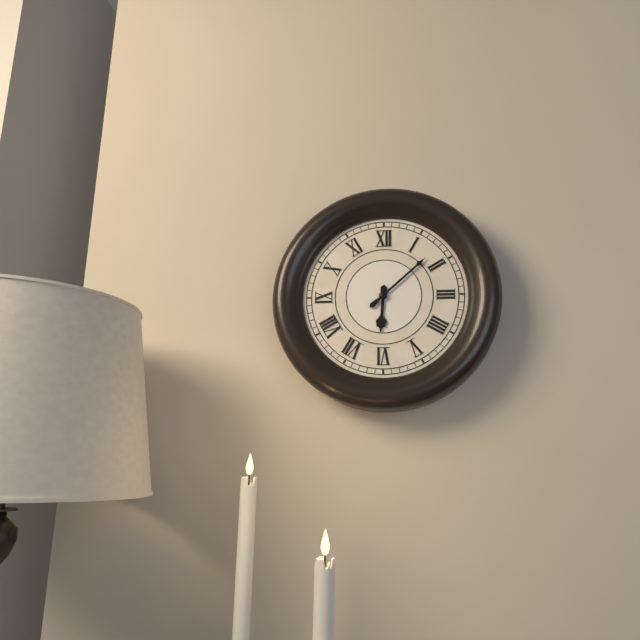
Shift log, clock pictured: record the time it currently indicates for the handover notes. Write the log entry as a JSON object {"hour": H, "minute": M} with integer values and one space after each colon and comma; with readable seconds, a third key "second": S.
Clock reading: {"hour": 6, "minute": 8}
